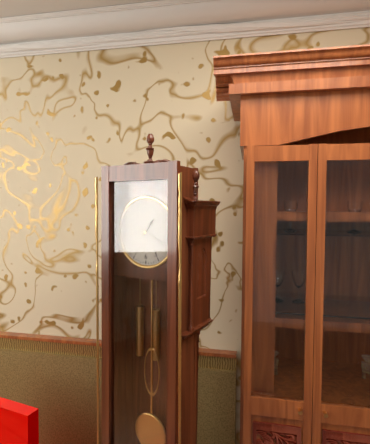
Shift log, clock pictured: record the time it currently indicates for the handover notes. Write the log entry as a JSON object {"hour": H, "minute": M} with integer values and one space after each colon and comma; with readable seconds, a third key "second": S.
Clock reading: {"hour": 1, "minute": 19}
